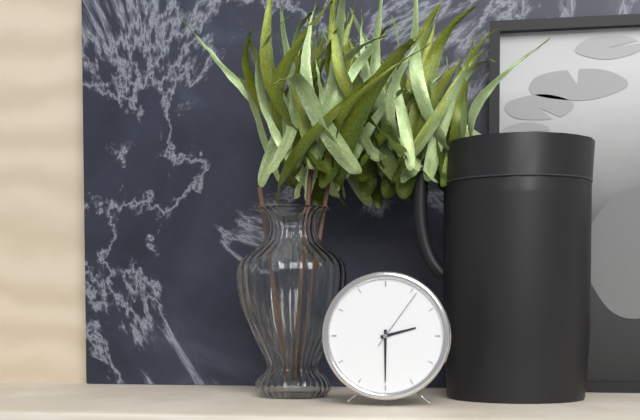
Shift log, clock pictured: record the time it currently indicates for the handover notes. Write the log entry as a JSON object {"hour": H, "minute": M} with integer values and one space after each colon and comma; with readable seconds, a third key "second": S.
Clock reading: {"hour": 2, "minute": 30, "second": 6}
